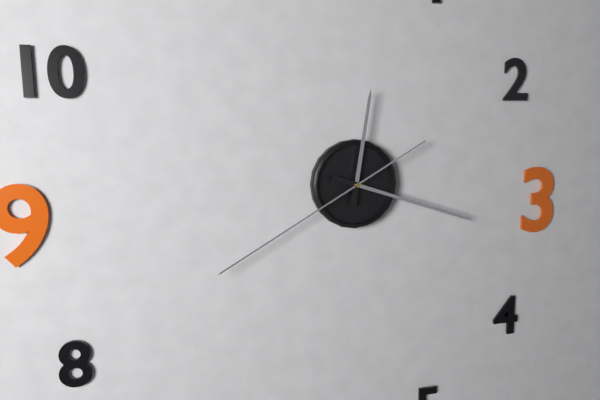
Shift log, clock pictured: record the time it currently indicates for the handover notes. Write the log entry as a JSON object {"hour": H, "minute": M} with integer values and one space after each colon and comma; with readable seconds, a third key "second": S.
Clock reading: {"hour": 12, "minute": 18, "second": 40}
